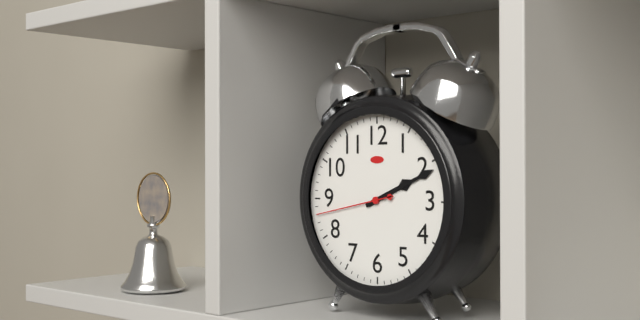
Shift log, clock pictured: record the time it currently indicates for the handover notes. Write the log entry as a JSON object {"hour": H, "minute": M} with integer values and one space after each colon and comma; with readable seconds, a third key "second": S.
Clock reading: {"hour": 2, "minute": 11, "second": 43}
